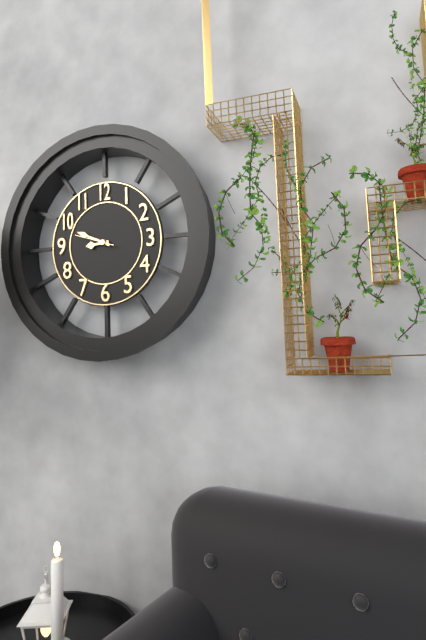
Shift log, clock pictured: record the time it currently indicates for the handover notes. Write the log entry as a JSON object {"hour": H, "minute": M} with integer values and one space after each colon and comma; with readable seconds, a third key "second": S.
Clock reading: {"hour": 8, "minute": 49}
